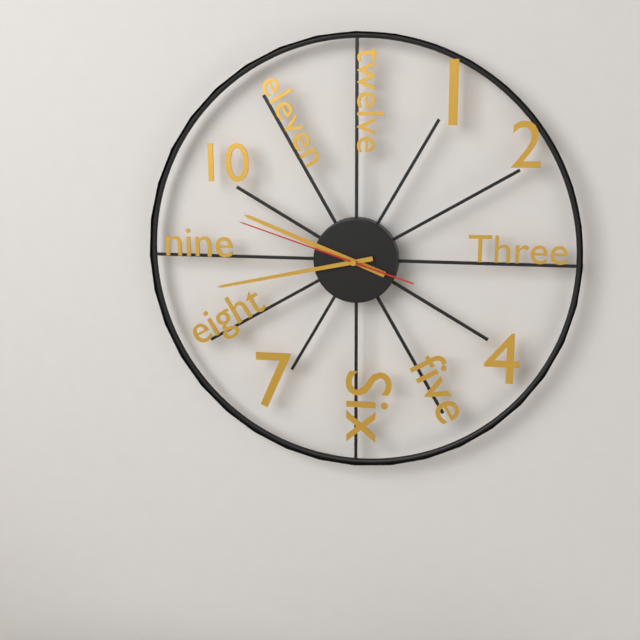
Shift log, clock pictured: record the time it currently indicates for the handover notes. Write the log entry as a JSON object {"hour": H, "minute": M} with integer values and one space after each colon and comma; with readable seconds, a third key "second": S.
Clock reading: {"hour": 9, "minute": 43, "second": 48}
